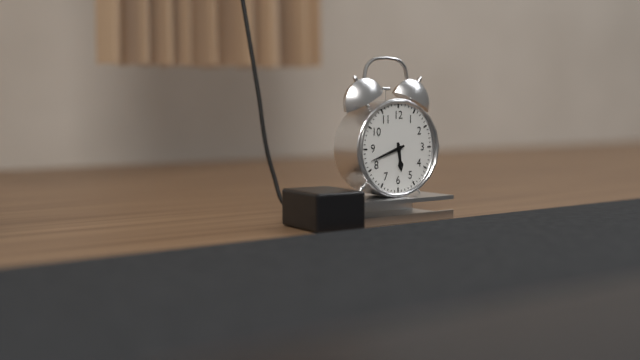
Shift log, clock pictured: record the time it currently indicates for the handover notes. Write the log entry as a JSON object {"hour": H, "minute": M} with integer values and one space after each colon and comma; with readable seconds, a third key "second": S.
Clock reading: {"hour": 5, "minute": 42}
